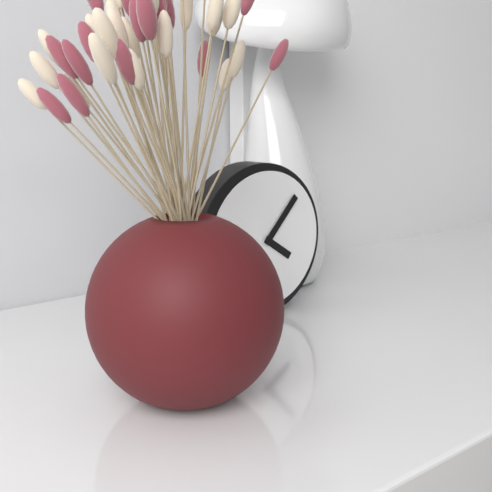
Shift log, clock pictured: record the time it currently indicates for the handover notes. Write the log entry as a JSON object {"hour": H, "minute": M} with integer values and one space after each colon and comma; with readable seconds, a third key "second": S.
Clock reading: {"hour": 4, "minute": 7}
